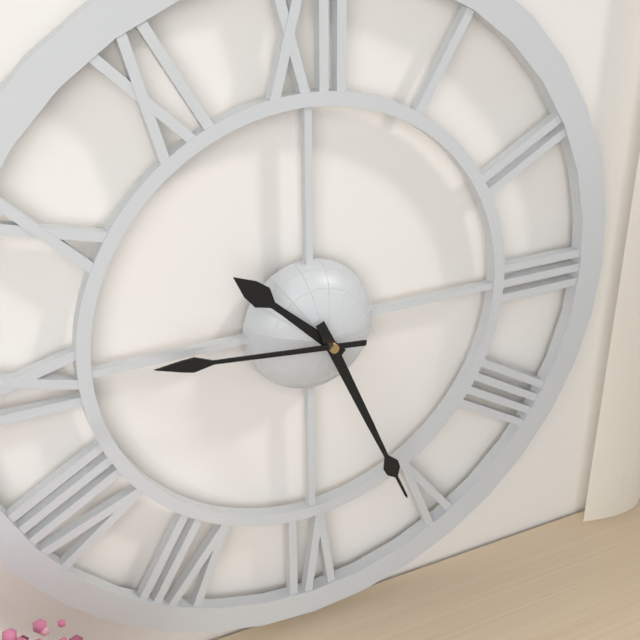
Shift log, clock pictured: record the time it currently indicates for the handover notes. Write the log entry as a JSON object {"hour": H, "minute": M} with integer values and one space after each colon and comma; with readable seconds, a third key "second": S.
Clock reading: {"hour": 10, "minute": 26, "second": 46}
